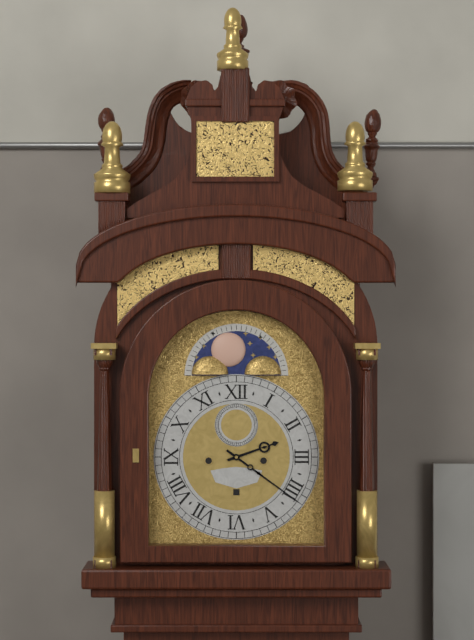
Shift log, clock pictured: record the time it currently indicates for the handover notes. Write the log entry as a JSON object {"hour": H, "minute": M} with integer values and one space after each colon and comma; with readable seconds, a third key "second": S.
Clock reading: {"hour": 2, "minute": 21}
